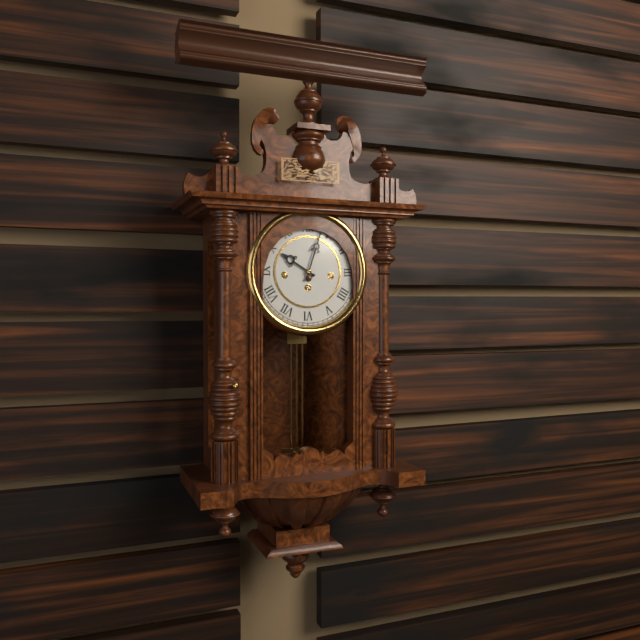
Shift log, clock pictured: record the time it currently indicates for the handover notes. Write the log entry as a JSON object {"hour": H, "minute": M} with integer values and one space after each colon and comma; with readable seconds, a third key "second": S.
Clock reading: {"hour": 10, "minute": 3}
